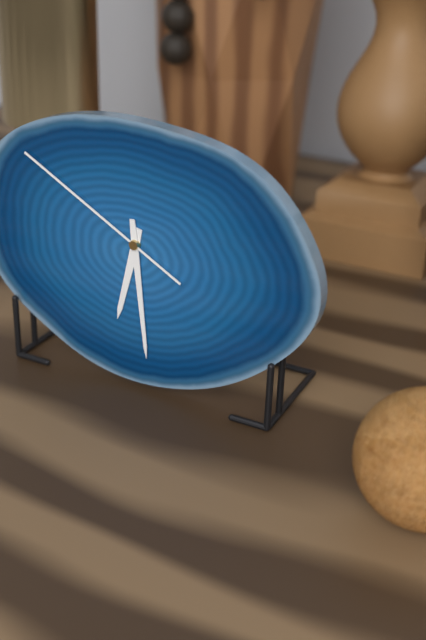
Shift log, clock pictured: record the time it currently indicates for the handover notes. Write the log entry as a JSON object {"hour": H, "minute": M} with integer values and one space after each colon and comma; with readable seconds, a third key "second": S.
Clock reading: {"hour": 6, "minute": 29, "second": 50}
